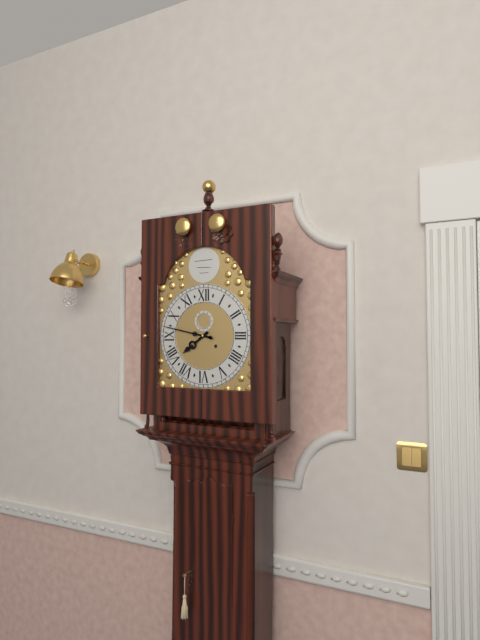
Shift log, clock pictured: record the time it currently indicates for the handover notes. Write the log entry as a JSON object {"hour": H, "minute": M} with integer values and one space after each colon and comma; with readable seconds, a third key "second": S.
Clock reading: {"hour": 7, "minute": 47}
